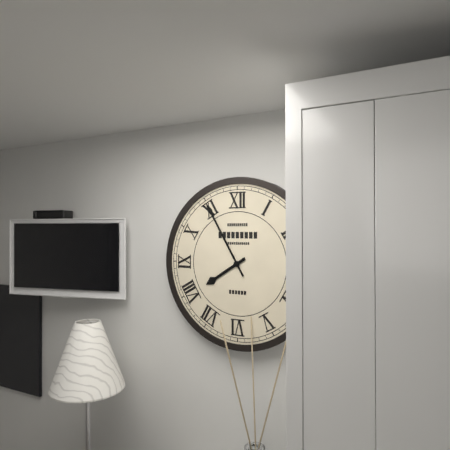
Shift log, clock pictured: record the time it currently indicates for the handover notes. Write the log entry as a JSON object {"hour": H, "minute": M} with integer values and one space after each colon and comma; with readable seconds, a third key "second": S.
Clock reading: {"hour": 7, "minute": 55}
